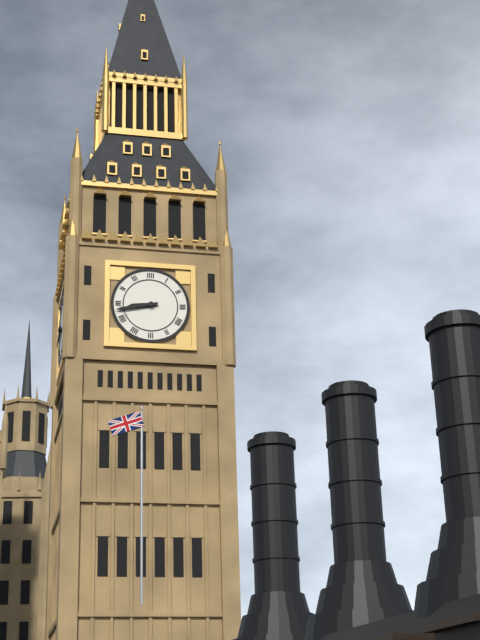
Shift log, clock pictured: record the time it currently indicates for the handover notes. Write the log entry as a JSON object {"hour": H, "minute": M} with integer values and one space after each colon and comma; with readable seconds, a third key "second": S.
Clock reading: {"hour": 8, "minute": 43}
